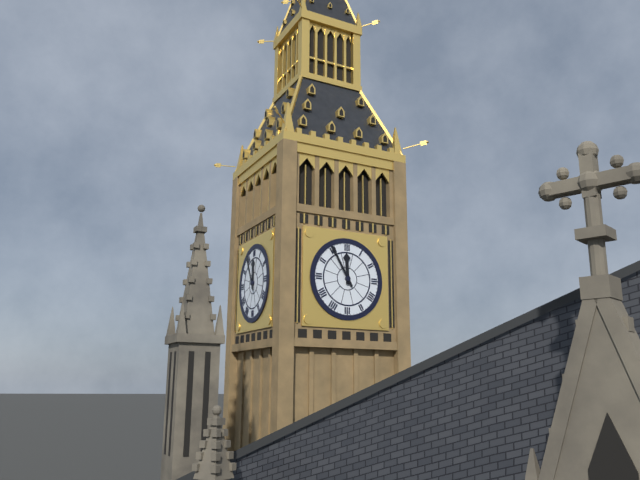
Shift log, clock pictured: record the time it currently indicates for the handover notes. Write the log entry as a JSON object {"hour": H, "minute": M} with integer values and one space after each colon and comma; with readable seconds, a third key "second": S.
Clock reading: {"hour": 11, "minute": 55}
